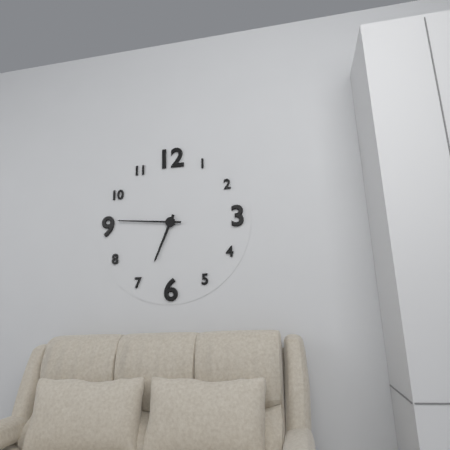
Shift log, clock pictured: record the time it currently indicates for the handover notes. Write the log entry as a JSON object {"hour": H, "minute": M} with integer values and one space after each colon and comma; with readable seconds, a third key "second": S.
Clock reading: {"hour": 6, "minute": 46}
